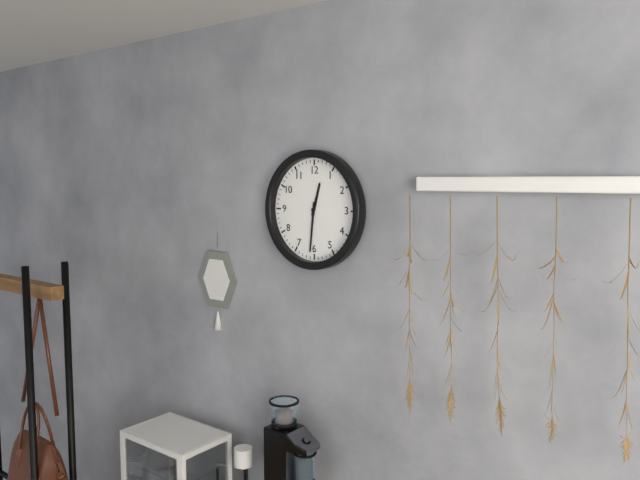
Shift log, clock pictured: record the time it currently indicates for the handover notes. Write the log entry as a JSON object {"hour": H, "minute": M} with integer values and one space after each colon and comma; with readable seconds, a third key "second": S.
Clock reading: {"hour": 12, "minute": 31}
